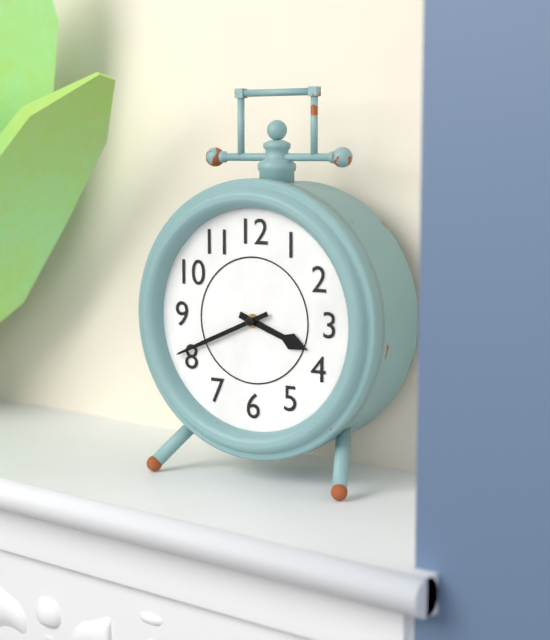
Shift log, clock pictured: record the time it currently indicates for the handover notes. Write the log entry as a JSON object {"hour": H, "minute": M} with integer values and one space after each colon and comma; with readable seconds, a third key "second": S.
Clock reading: {"hour": 3, "minute": 41}
